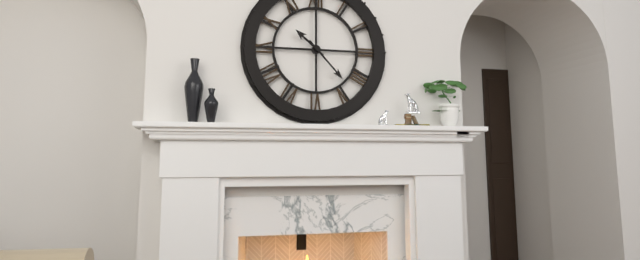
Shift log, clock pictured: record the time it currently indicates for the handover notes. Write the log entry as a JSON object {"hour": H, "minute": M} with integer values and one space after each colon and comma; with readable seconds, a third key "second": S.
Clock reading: {"hour": 10, "minute": 23}
